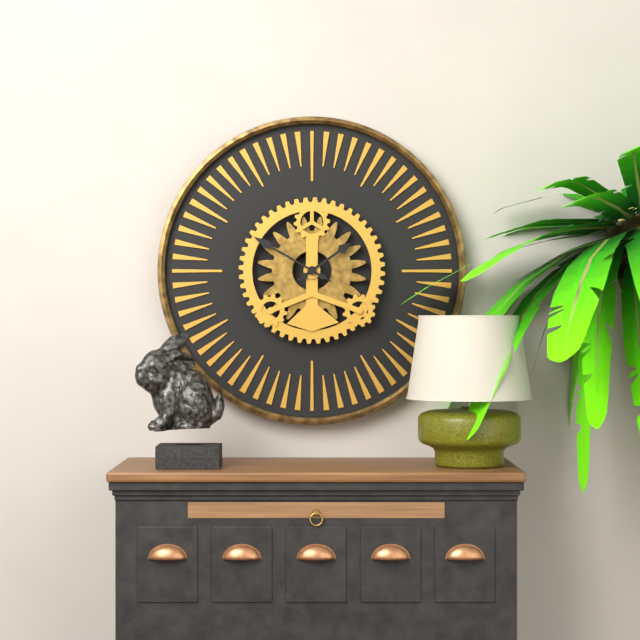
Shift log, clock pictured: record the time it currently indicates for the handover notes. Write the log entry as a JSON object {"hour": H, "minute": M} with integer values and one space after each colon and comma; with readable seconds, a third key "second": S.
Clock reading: {"hour": 1, "minute": 50}
